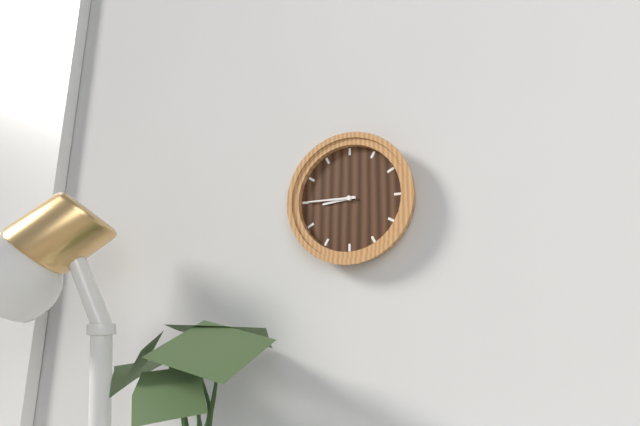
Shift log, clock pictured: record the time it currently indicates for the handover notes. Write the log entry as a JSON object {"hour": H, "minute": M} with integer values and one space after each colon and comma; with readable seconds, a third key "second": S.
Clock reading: {"hour": 8, "minute": 45}
